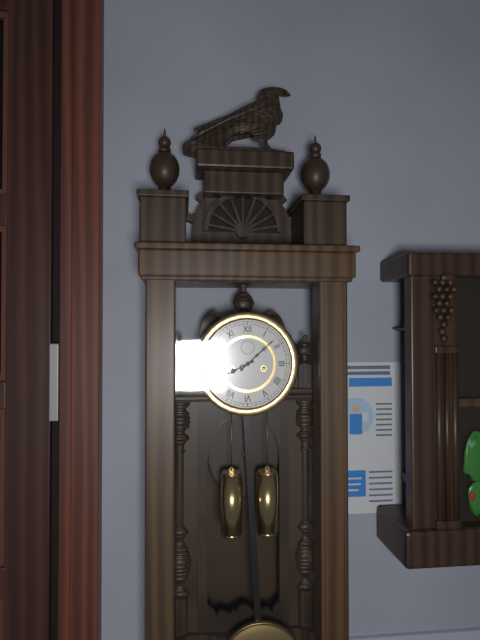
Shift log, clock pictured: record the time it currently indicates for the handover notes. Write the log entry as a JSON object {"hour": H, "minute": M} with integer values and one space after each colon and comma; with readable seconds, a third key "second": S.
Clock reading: {"hour": 8, "minute": 8}
